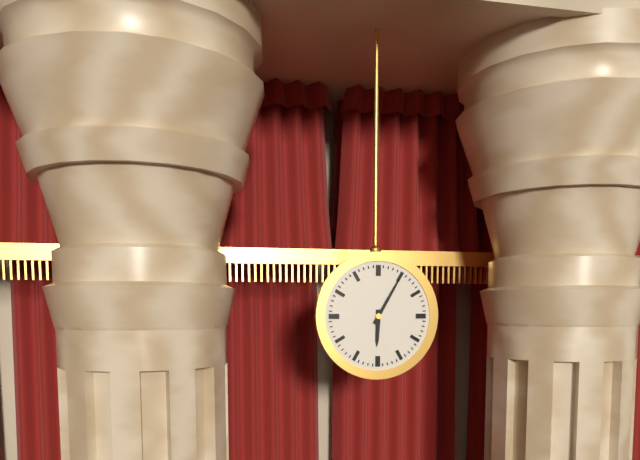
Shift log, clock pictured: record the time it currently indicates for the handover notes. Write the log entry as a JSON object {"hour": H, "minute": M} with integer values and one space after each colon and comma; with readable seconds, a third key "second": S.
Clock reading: {"hour": 6, "minute": 5}
